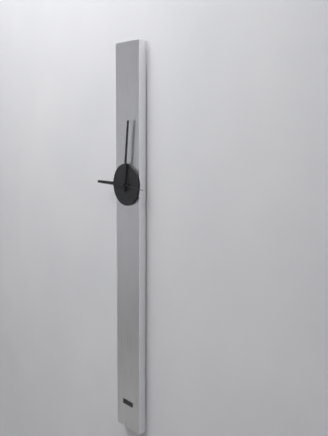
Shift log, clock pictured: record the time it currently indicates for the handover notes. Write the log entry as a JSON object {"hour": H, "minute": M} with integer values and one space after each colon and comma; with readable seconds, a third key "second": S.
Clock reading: {"hour": 9, "minute": 1}
